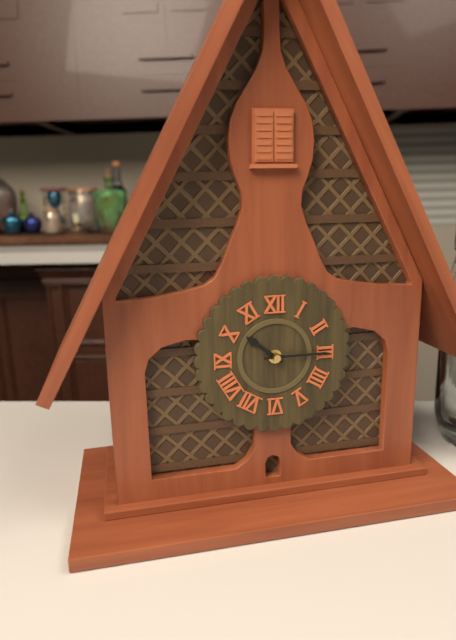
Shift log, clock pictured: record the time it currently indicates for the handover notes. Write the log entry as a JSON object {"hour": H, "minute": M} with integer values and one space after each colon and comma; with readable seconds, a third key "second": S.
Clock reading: {"hour": 10, "minute": 15}
